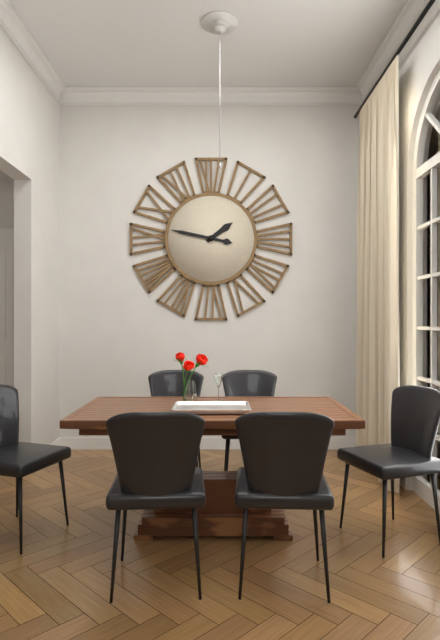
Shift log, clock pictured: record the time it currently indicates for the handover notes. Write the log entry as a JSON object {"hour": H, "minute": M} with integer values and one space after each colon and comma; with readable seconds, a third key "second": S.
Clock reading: {"hour": 1, "minute": 47}
